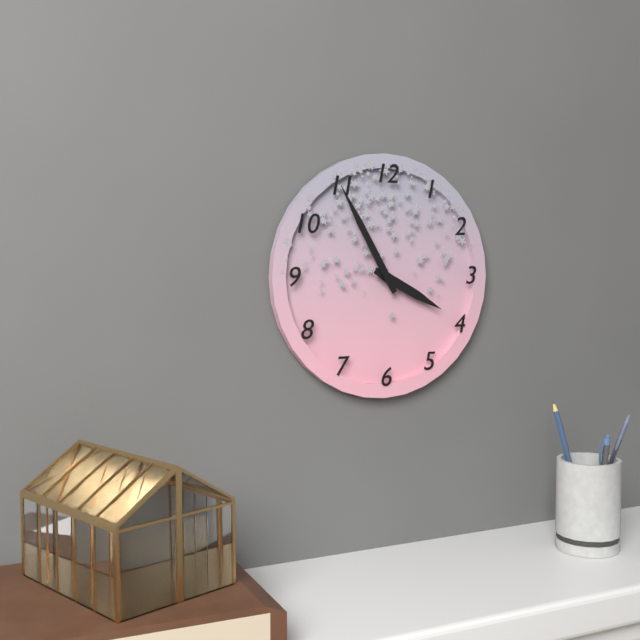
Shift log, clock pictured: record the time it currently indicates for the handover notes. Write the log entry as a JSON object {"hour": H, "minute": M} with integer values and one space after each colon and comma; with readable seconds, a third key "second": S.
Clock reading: {"hour": 3, "minute": 55}
